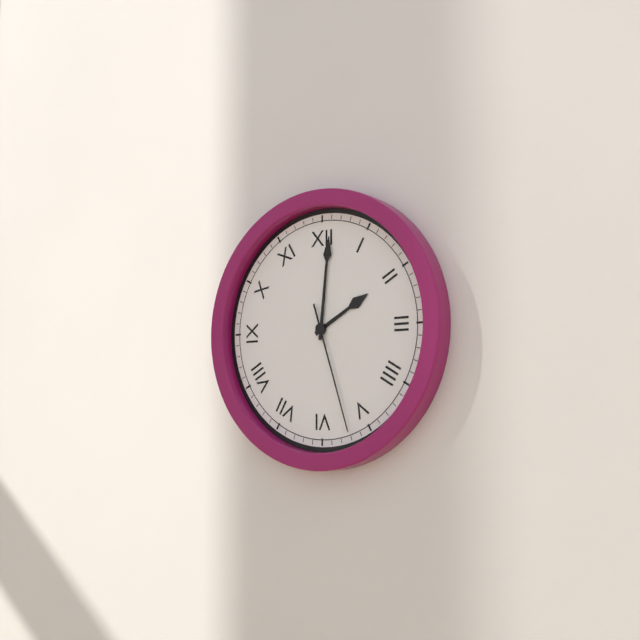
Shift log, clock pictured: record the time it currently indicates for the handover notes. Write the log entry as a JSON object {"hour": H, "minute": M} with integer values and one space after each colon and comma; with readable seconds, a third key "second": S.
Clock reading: {"hour": 2, "minute": 1, "second": 27}
